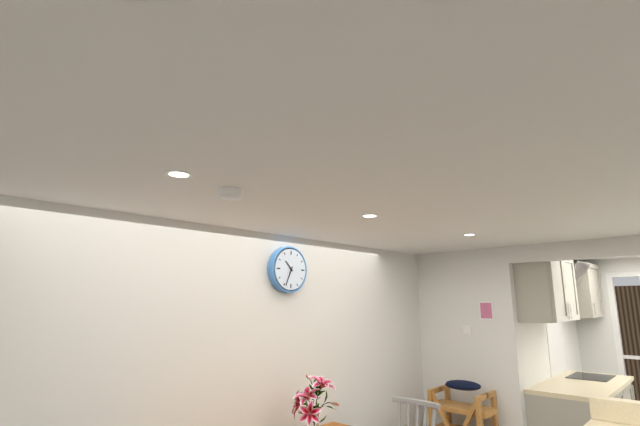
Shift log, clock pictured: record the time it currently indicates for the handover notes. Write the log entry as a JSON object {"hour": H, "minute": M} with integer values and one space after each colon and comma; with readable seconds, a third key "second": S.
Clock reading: {"hour": 10, "minute": 34}
